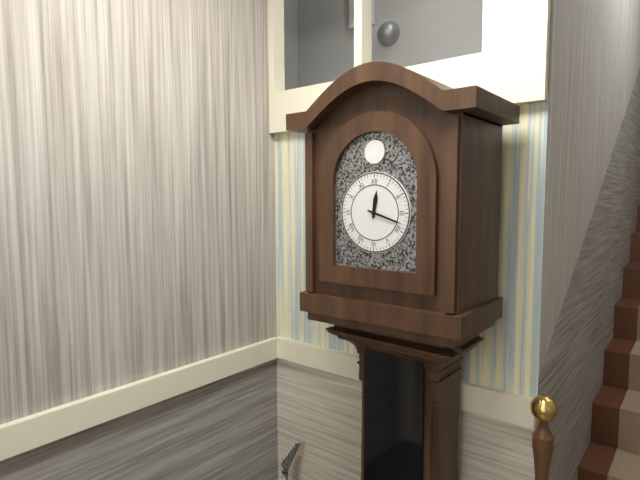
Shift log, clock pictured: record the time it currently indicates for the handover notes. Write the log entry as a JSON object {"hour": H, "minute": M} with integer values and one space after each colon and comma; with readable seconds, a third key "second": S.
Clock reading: {"hour": 12, "minute": 18}
